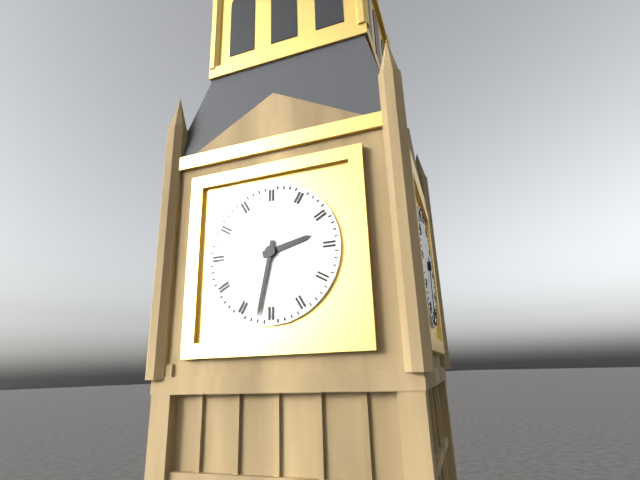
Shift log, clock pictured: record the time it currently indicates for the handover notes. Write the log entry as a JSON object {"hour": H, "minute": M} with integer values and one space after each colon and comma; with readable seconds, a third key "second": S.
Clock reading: {"hour": 2, "minute": 32}
